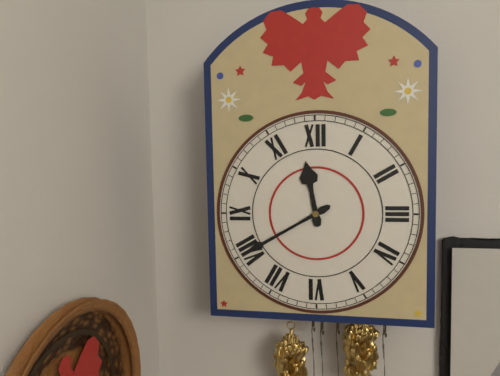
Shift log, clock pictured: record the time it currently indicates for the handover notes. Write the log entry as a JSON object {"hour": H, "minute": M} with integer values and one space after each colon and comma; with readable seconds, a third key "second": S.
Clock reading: {"hour": 11, "minute": 40}
